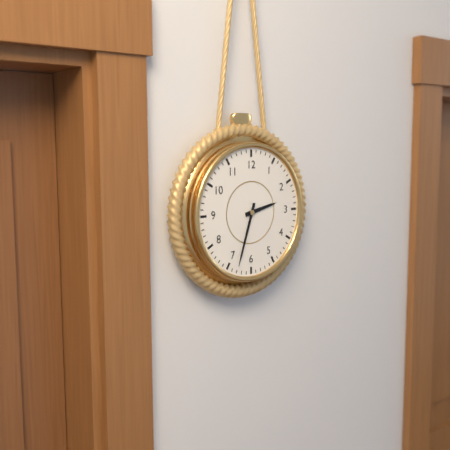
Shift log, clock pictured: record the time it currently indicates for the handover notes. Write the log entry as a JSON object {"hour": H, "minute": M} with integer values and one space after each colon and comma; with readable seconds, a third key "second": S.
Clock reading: {"hour": 2, "minute": 33}
